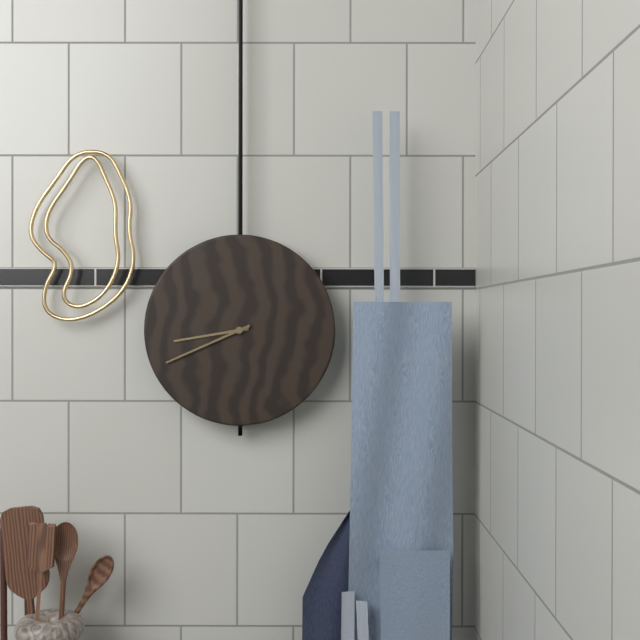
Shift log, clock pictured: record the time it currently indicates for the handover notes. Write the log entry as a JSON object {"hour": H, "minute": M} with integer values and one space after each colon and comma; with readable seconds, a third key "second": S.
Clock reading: {"hour": 8, "minute": 41}
